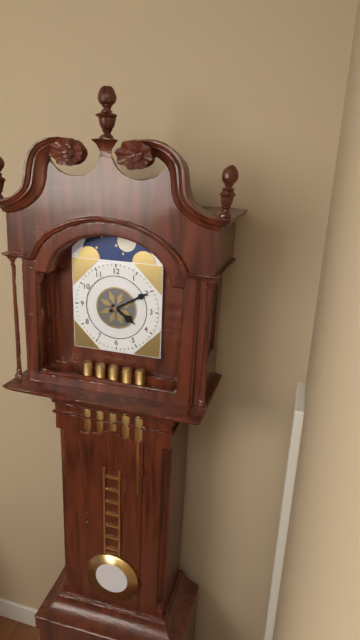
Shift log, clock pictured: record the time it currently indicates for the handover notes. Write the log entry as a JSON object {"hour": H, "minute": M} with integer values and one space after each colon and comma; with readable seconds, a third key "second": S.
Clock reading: {"hour": 4, "minute": 10}
